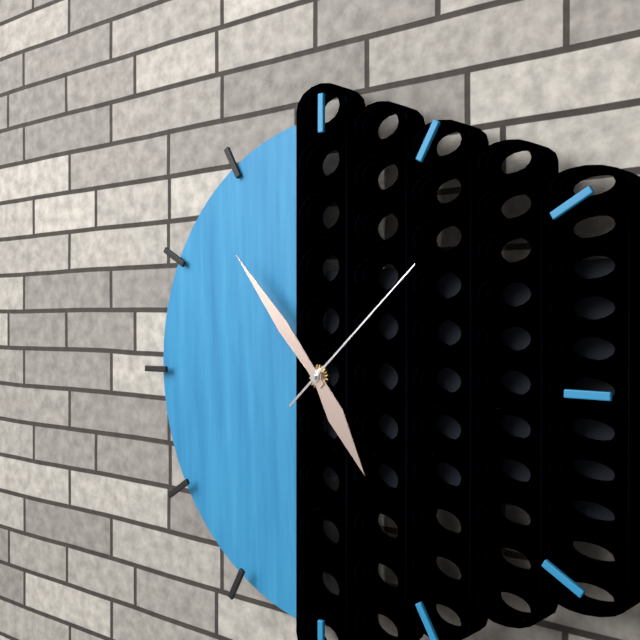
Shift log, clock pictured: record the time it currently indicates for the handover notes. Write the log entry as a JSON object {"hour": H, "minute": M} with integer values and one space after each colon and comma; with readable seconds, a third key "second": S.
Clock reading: {"hour": 4, "minute": 53, "second": 8}
